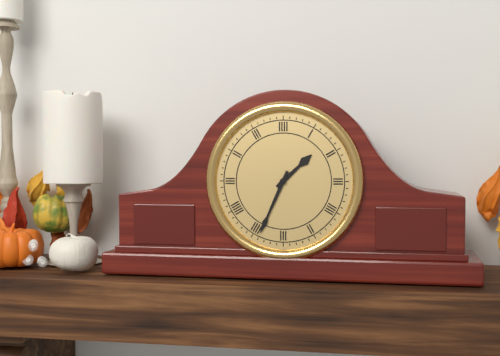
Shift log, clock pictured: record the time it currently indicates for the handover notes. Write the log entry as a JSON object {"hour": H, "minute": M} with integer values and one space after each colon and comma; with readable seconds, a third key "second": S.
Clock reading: {"hour": 1, "minute": 34}
